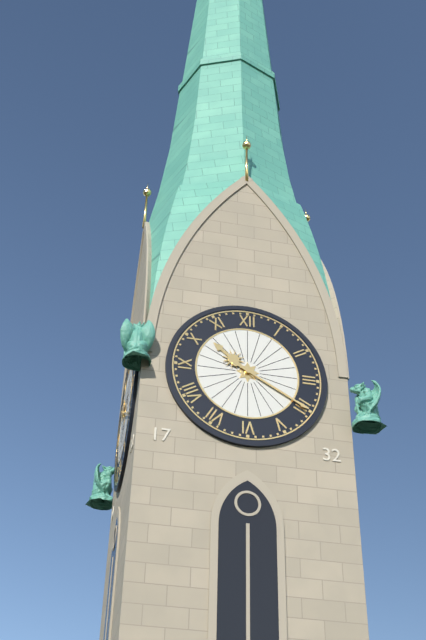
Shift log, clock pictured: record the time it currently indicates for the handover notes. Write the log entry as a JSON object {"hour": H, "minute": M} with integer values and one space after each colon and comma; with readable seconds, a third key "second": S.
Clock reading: {"hour": 10, "minute": 20}
